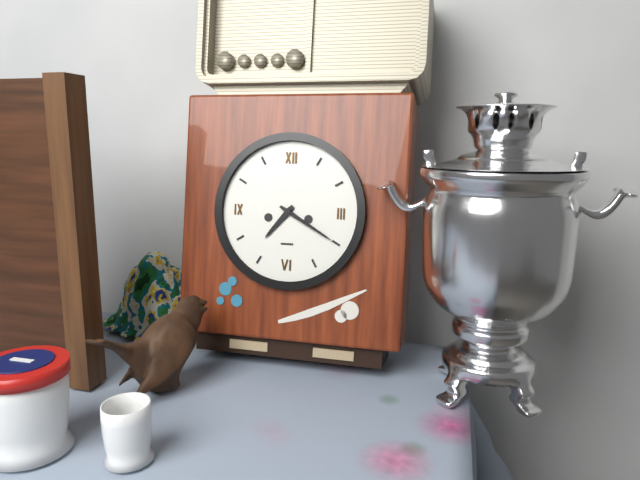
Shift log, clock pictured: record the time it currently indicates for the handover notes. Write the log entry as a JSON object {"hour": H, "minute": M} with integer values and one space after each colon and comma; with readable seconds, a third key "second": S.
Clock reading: {"hour": 7, "minute": 20}
